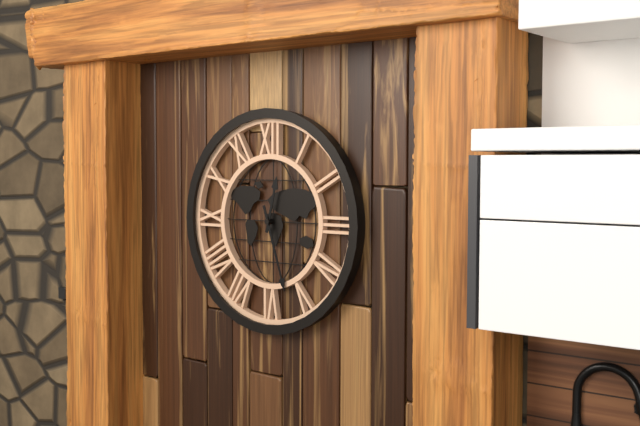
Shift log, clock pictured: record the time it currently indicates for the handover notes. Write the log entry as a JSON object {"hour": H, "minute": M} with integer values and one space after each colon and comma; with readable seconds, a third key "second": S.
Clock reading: {"hour": 12, "minute": 27}
